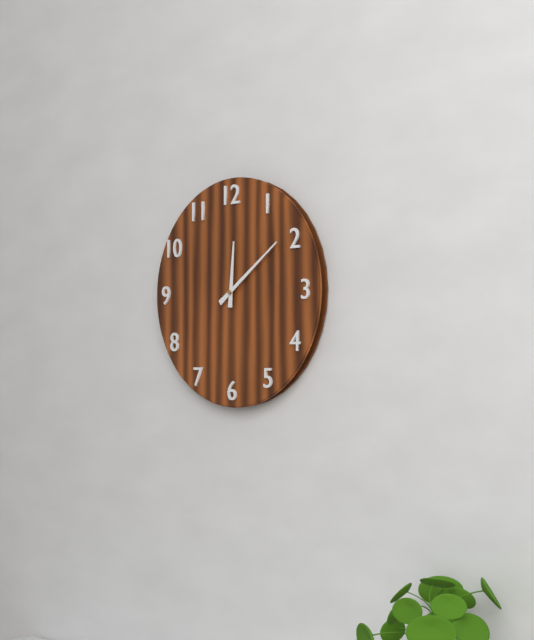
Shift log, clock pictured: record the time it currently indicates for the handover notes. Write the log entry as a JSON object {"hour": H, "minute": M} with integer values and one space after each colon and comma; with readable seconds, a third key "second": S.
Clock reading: {"hour": 12, "minute": 9}
